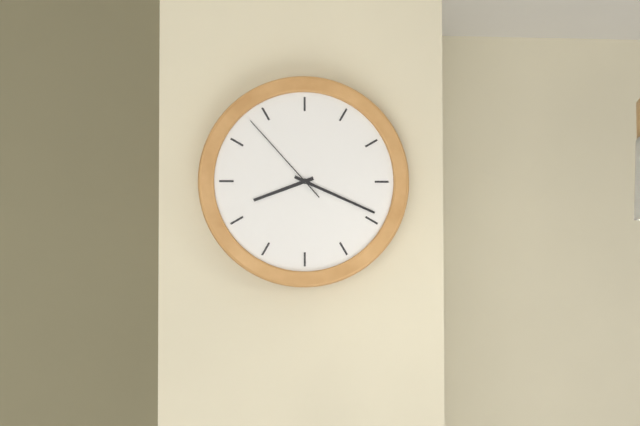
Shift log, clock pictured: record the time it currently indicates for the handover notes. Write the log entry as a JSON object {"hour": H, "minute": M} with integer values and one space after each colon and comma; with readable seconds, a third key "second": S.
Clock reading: {"hour": 8, "minute": 19, "second": 53}
